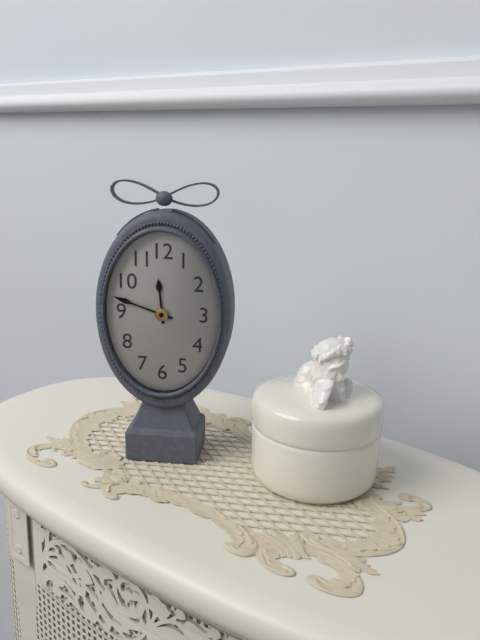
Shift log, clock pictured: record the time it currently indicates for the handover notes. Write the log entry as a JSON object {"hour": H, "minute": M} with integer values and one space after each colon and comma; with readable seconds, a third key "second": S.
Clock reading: {"hour": 11, "minute": 48}
